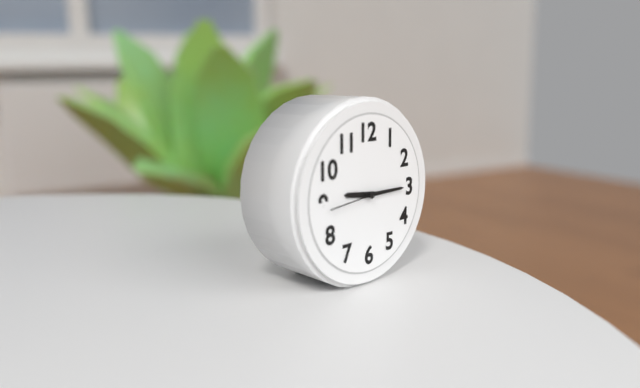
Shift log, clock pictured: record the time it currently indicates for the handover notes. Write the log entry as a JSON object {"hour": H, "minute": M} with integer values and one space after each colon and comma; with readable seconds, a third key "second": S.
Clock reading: {"hour": 9, "minute": 15, "second": 44}
